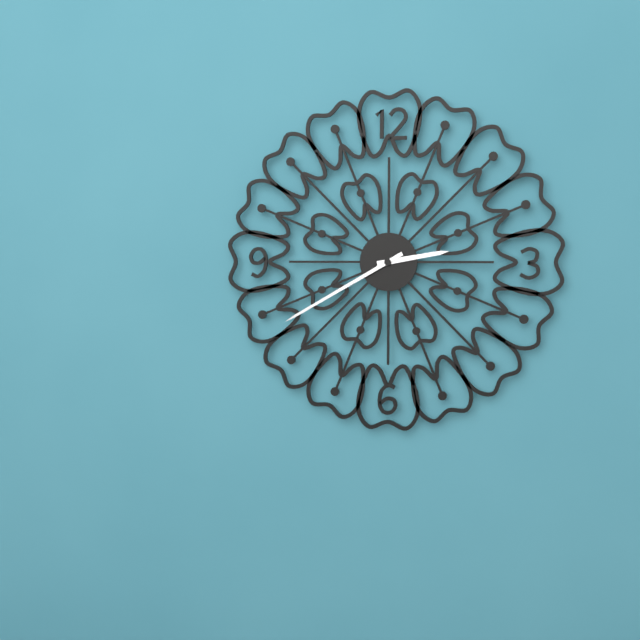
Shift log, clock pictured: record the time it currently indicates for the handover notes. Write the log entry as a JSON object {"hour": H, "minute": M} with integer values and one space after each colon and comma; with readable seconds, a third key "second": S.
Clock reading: {"hour": 2, "minute": 40}
